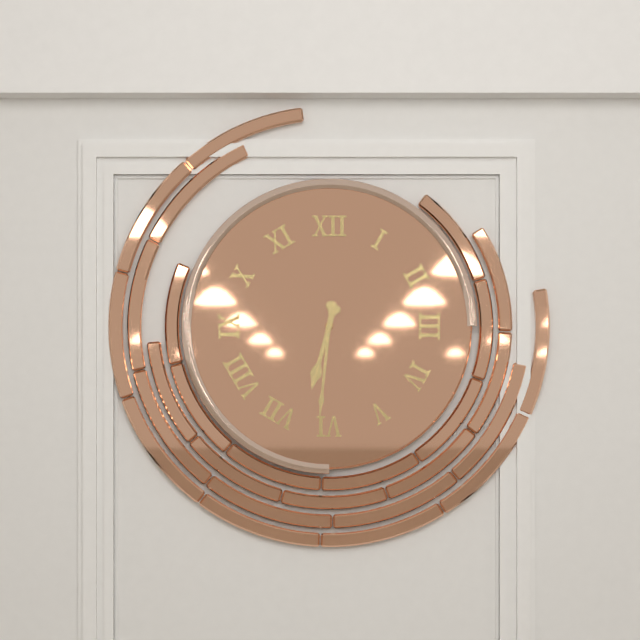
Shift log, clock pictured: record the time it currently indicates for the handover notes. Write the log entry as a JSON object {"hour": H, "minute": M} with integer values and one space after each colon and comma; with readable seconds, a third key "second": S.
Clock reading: {"hour": 6, "minute": 31}
